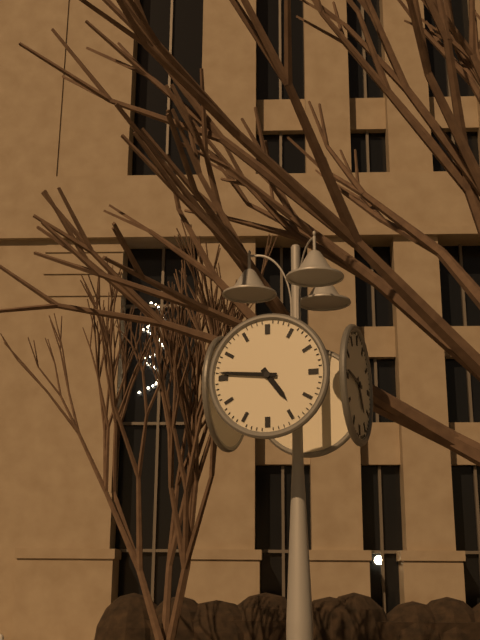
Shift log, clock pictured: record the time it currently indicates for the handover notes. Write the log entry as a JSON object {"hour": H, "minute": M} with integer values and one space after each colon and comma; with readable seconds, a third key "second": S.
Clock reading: {"hour": 4, "minute": 46}
